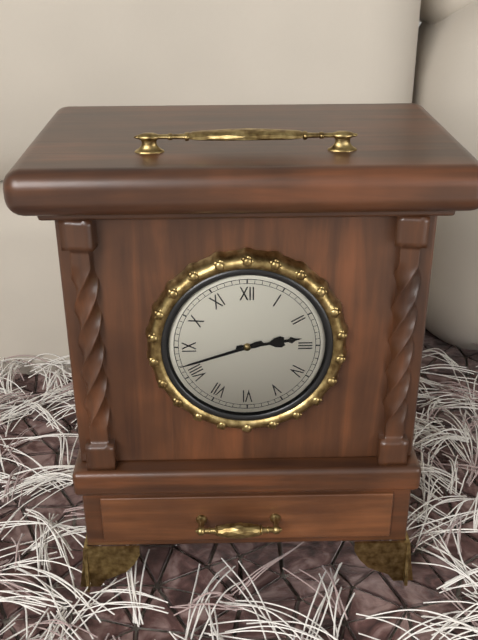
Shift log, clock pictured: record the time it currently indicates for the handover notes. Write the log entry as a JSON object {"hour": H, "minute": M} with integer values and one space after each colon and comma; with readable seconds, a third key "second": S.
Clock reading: {"hour": 2, "minute": 42}
